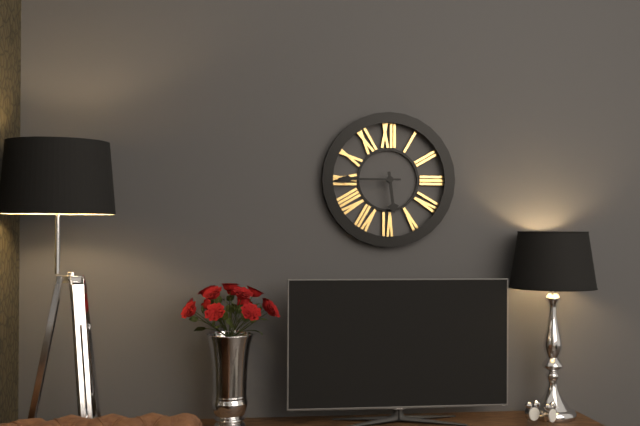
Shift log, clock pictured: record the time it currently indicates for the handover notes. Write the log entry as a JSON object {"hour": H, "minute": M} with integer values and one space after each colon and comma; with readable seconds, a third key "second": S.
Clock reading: {"hour": 5, "minute": 45}
